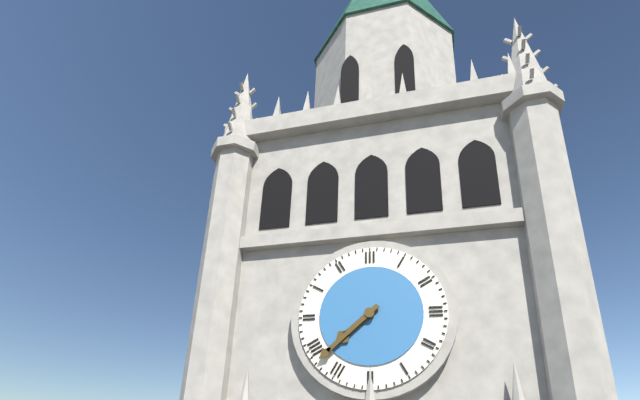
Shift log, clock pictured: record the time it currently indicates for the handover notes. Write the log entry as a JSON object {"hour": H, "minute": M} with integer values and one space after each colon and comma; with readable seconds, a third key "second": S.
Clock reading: {"hour": 7, "minute": 38}
